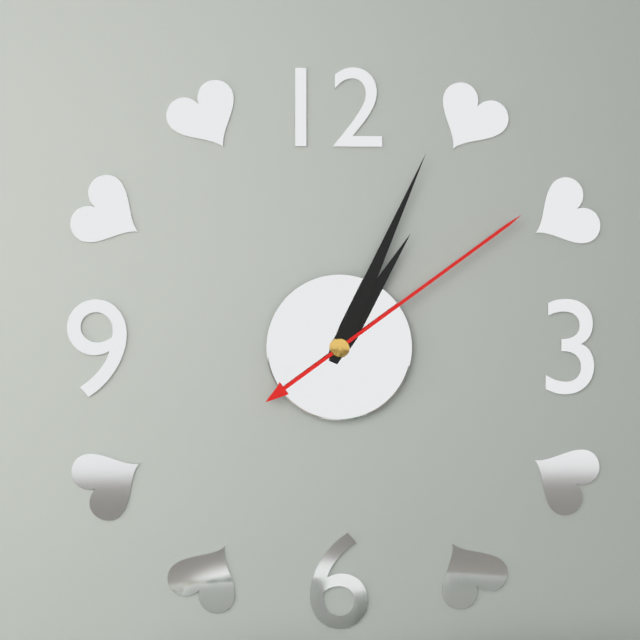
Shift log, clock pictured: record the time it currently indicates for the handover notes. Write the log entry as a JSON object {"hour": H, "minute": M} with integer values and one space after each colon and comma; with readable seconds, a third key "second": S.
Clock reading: {"hour": 1, "minute": 4, "second": 9}
